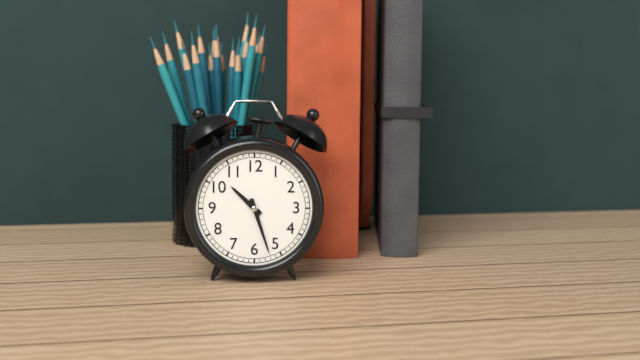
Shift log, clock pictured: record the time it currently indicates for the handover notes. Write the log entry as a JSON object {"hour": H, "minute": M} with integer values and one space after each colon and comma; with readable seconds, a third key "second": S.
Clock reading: {"hour": 10, "minute": 27}
